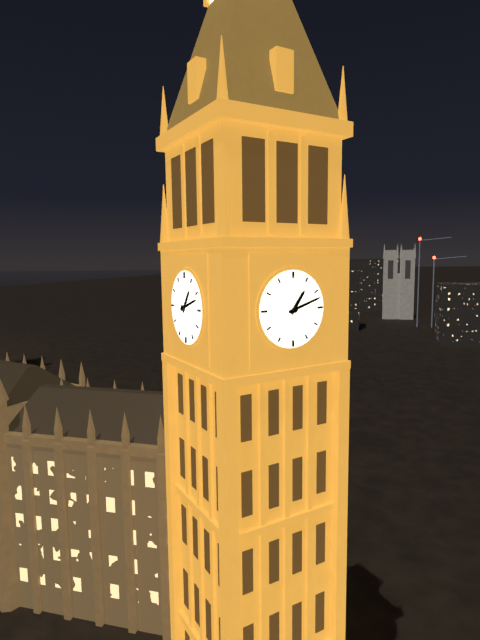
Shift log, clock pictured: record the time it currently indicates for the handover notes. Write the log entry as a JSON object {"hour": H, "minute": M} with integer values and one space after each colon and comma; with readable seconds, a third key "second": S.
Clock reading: {"hour": 1, "minute": 12}
